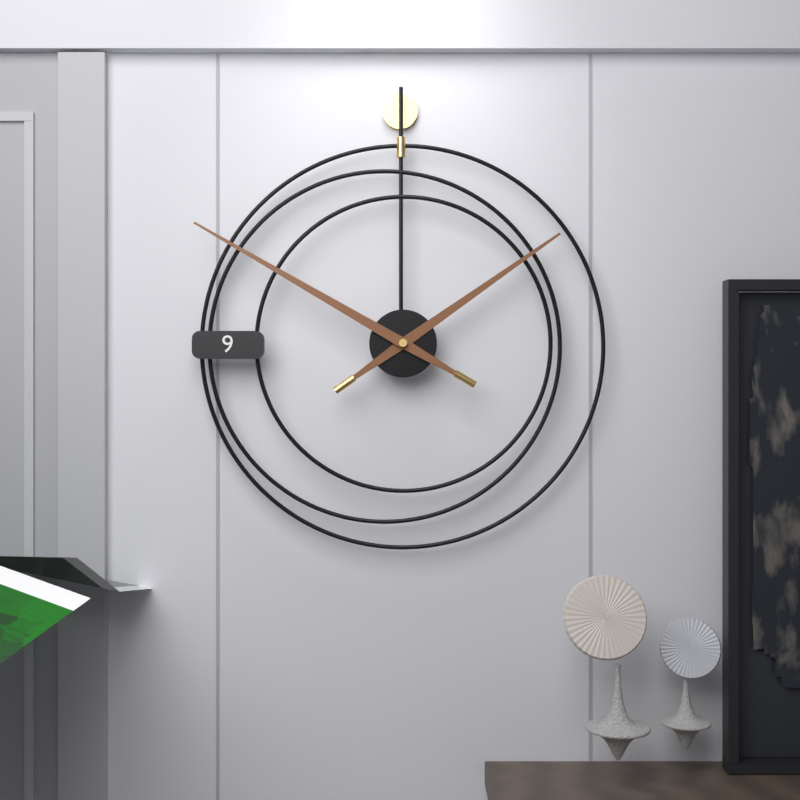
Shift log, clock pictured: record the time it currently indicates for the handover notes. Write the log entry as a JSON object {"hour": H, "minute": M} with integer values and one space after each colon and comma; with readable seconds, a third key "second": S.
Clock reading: {"hour": 1, "minute": 50}
